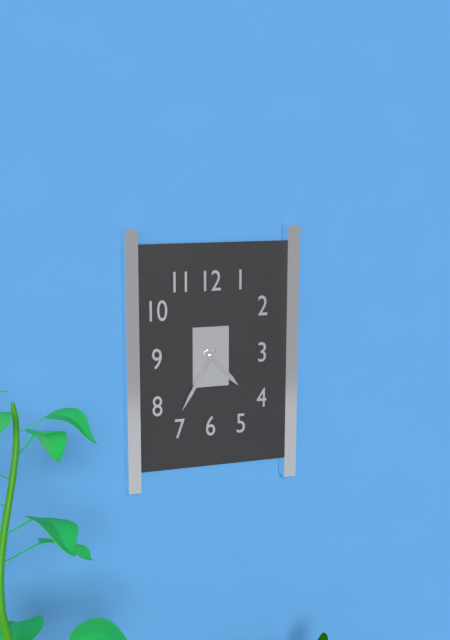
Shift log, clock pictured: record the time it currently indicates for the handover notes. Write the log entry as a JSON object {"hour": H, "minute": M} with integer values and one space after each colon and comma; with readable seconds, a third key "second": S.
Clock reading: {"hour": 4, "minute": 35}
